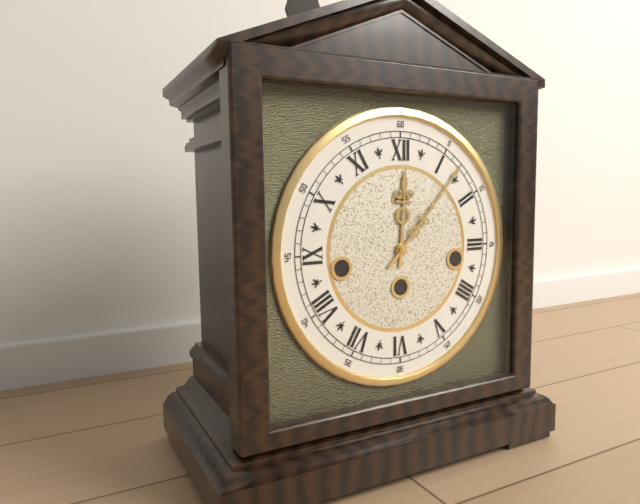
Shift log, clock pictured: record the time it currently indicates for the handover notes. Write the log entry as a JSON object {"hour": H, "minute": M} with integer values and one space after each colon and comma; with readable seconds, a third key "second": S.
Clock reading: {"hour": 12, "minute": 7}
